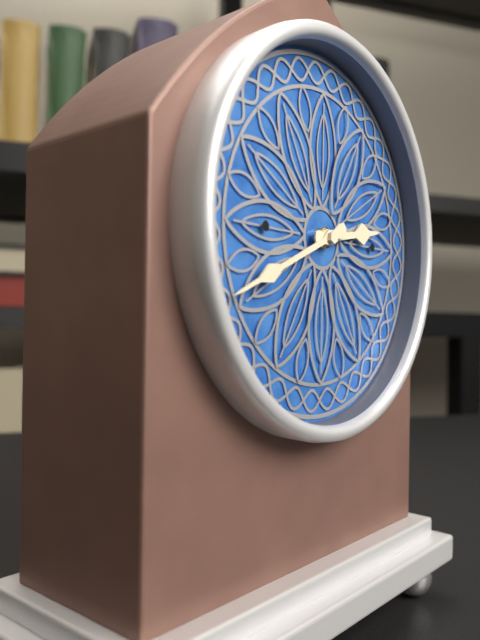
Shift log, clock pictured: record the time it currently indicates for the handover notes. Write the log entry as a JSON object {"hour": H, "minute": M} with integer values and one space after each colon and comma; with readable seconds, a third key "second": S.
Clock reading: {"hour": 2, "minute": 41}
